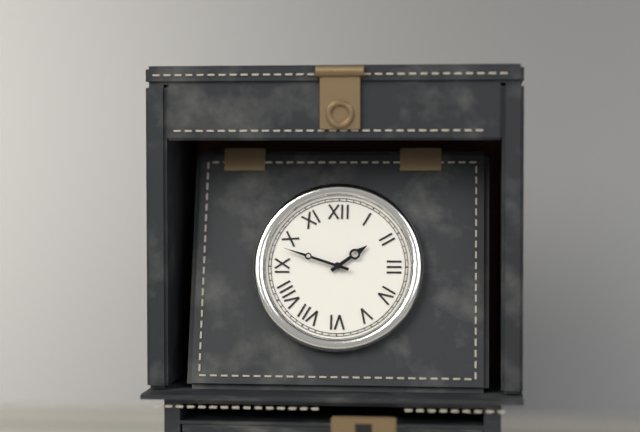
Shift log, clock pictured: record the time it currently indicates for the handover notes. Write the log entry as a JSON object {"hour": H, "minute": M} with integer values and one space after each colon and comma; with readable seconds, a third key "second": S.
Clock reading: {"hour": 1, "minute": 48}
